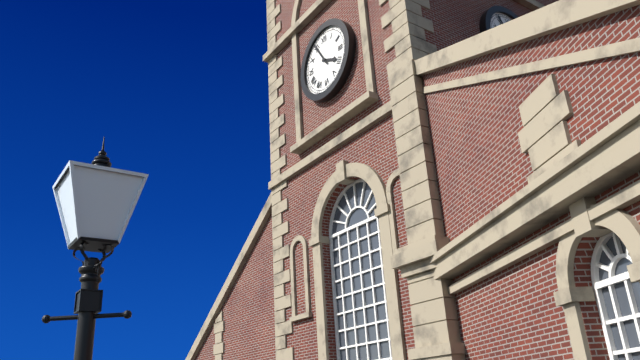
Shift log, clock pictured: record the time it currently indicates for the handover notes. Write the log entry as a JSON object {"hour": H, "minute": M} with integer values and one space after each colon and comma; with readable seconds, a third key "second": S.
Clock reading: {"hour": 3, "minute": 55}
